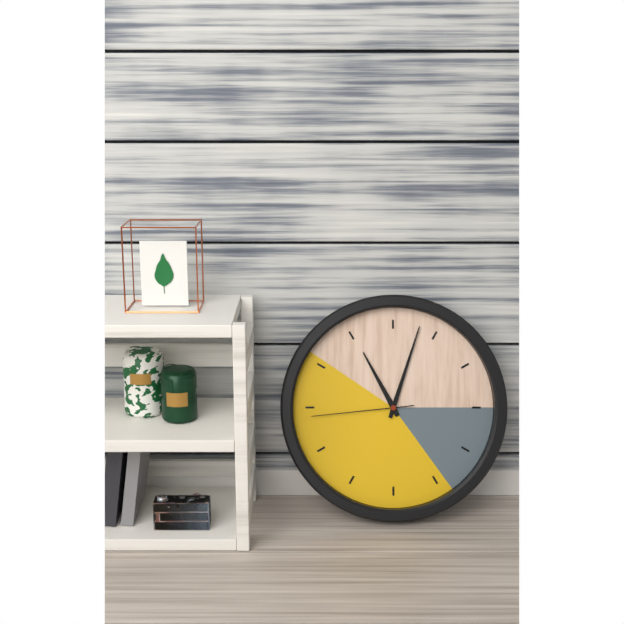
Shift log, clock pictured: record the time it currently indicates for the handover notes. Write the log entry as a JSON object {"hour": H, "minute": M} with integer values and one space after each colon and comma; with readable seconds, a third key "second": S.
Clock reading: {"hour": 11, "minute": 3, "second": 44}
